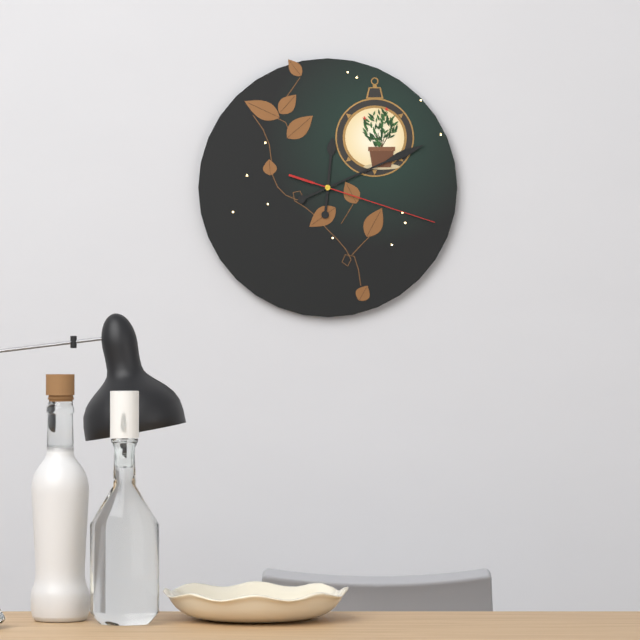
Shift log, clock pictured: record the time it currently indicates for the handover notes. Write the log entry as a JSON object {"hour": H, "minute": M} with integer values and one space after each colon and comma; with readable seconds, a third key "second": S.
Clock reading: {"hour": 12, "minute": 11, "second": 18}
